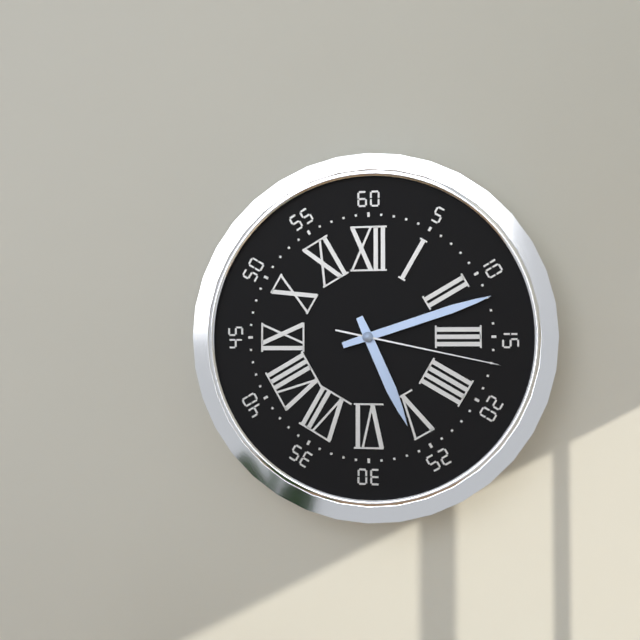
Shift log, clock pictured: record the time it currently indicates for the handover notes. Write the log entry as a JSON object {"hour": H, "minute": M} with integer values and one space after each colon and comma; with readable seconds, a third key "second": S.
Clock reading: {"hour": 5, "minute": 12, "second": 17}
